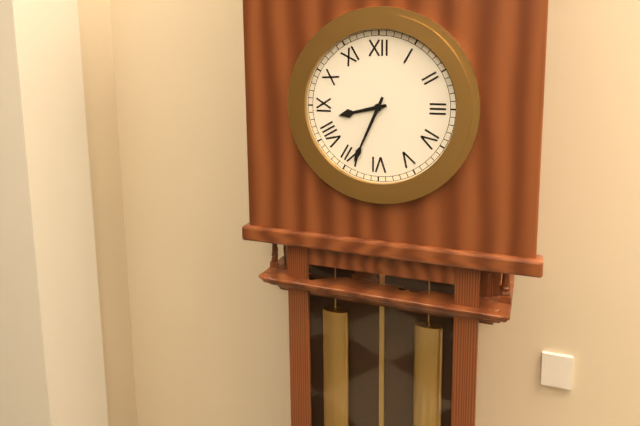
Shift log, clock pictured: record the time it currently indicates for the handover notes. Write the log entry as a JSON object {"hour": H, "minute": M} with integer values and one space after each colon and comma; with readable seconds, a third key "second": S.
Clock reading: {"hour": 8, "minute": 34}
